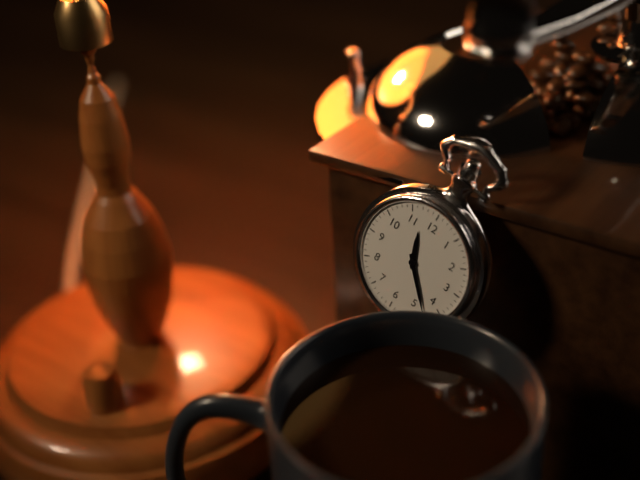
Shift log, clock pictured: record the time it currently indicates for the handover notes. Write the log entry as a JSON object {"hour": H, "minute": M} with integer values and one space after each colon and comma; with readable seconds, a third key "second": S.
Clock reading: {"hour": 11, "minute": 23}
